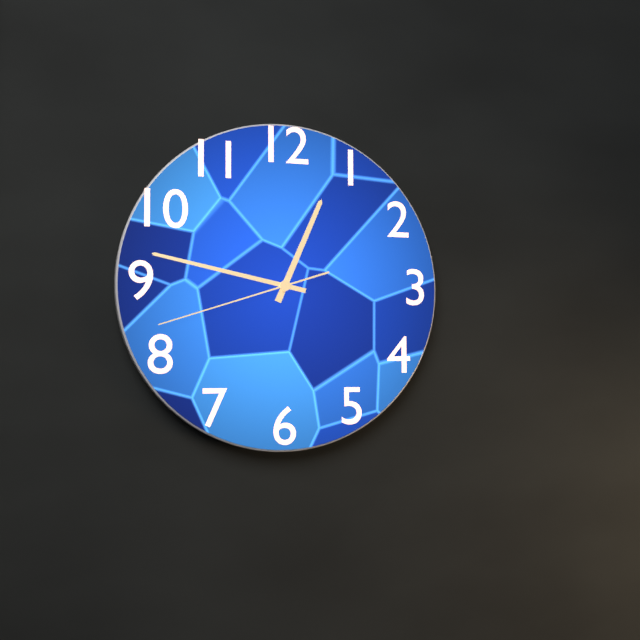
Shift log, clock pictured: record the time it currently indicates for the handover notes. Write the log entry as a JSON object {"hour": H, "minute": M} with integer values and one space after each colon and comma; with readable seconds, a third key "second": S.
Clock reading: {"hour": 12, "minute": 47, "second": 42}
